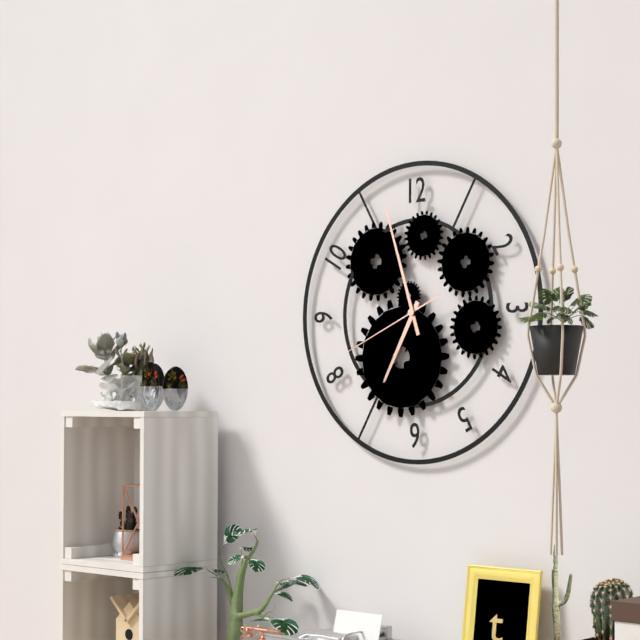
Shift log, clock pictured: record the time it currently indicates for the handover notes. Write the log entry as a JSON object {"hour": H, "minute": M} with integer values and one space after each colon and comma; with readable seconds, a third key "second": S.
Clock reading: {"hour": 6, "minute": 57, "second": 41}
